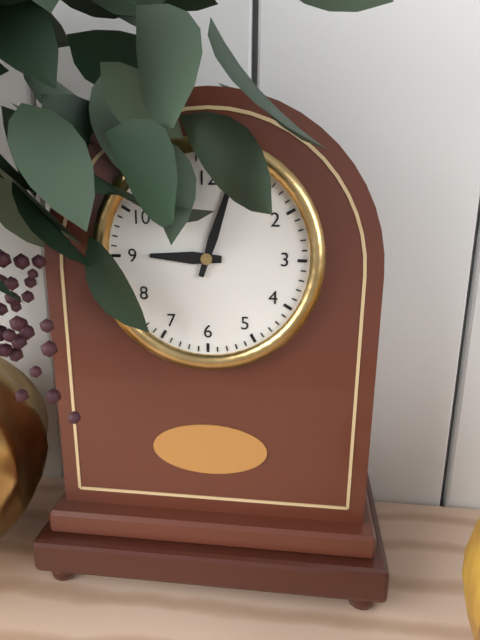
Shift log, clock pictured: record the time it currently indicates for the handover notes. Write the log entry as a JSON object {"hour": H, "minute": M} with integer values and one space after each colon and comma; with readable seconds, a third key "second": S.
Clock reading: {"hour": 9, "minute": 3}
